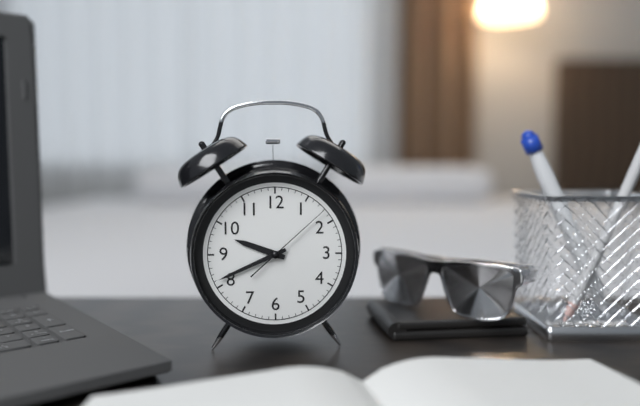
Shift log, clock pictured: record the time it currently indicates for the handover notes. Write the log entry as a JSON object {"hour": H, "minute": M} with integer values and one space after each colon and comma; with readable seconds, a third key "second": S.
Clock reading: {"hour": 9, "minute": 41, "second": 8}
